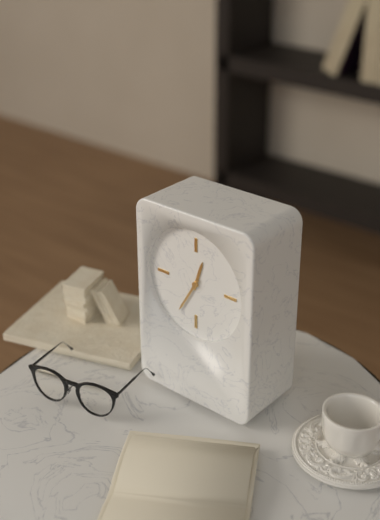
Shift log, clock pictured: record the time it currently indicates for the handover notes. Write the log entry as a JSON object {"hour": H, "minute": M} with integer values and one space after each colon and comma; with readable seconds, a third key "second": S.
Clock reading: {"hour": 12, "minute": 35}
